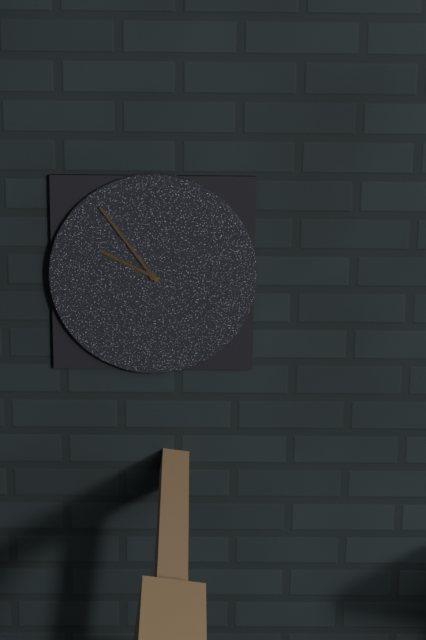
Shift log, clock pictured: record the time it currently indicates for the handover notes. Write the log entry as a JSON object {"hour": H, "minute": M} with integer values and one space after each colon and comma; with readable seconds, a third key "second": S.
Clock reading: {"hour": 9, "minute": 54}
